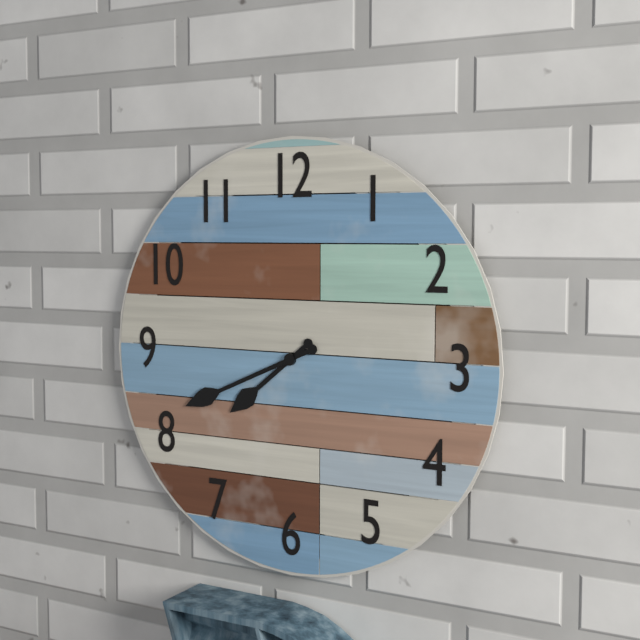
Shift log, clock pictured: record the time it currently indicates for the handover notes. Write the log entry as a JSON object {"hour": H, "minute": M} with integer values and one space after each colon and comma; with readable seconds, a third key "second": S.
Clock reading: {"hour": 7, "minute": 41}
